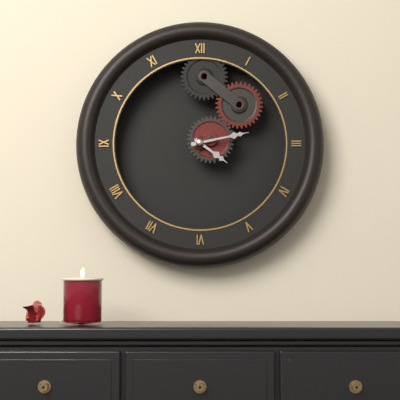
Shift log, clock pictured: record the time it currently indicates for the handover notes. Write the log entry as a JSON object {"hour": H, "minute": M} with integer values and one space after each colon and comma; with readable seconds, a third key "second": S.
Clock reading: {"hour": 4, "minute": 13}
